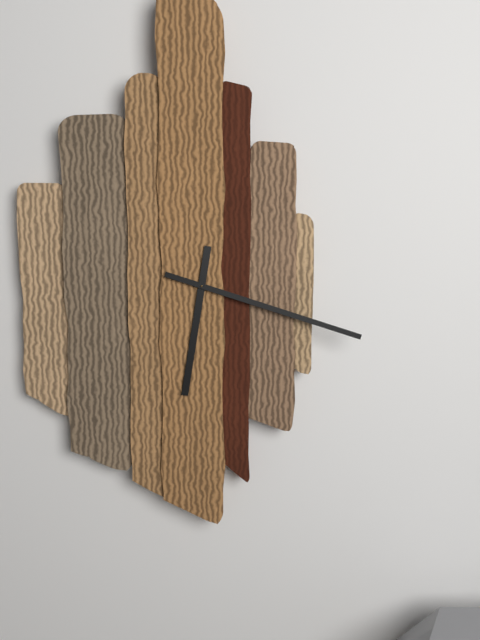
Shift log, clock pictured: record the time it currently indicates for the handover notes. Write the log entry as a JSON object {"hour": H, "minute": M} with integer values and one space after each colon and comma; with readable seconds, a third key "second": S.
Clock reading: {"hour": 6, "minute": 18}
